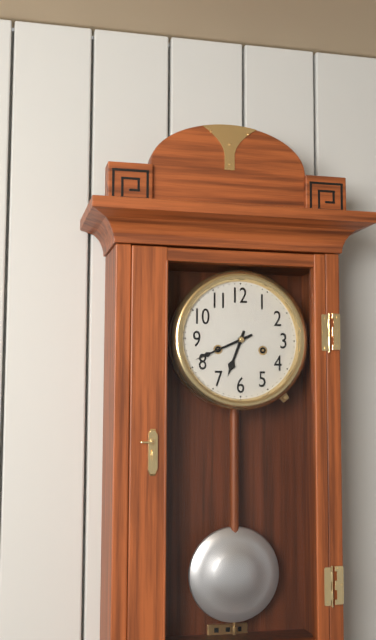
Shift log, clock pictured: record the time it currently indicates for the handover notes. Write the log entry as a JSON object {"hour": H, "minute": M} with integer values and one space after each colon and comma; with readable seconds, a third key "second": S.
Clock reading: {"hour": 6, "minute": 41}
